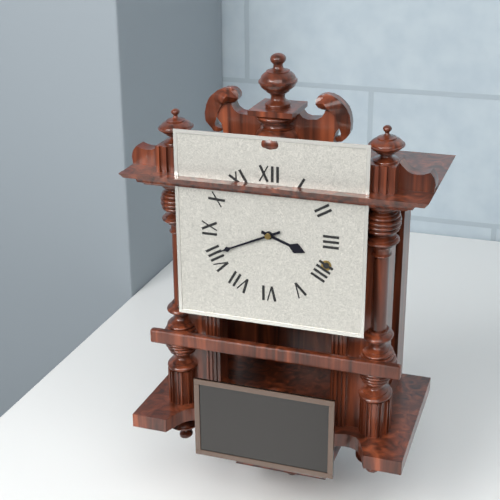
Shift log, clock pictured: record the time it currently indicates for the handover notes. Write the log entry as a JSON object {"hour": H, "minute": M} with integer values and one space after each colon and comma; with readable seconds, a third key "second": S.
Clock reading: {"hour": 3, "minute": 41}
